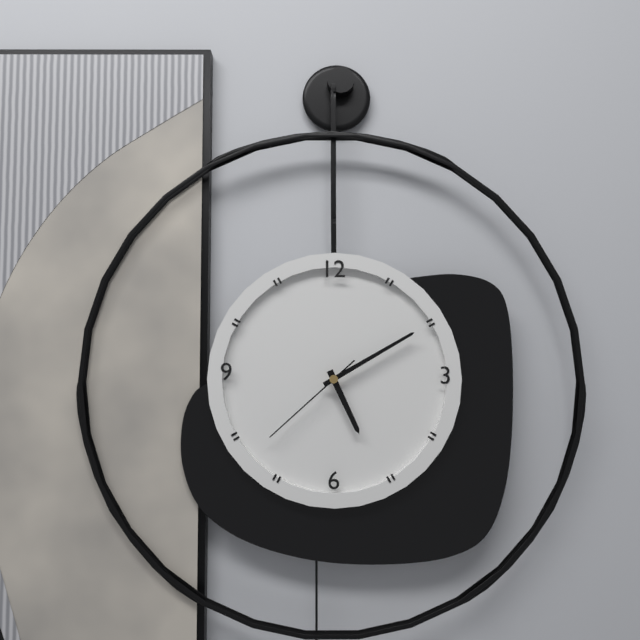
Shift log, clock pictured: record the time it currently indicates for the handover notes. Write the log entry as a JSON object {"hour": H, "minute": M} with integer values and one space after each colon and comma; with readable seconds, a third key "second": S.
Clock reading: {"hour": 5, "minute": 10, "second": 38}
